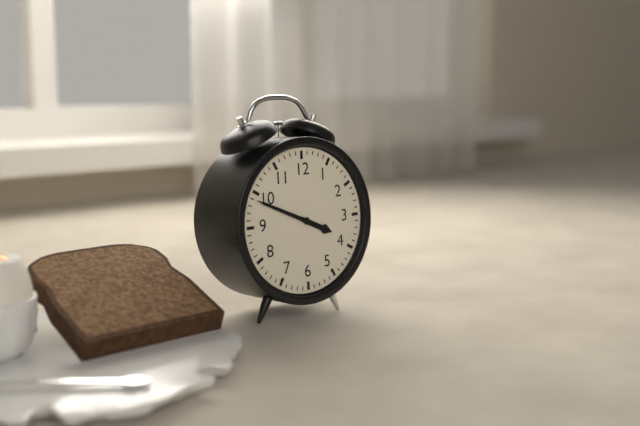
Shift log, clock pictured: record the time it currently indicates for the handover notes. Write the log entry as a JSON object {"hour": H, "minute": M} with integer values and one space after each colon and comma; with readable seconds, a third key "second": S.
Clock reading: {"hour": 3, "minute": 49}
